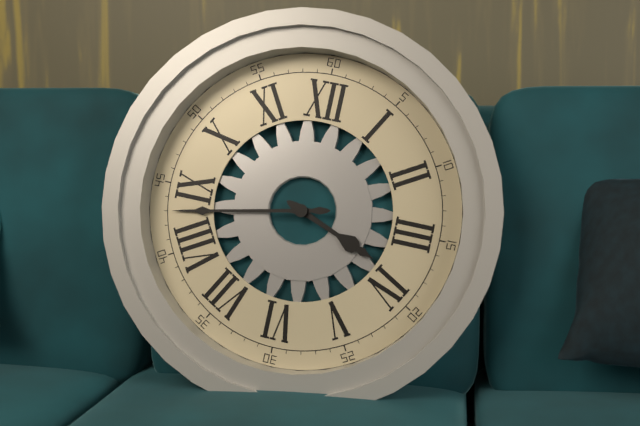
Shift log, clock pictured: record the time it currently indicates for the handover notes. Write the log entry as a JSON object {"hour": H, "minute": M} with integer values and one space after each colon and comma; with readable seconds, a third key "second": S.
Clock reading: {"hour": 3, "minute": 43}
